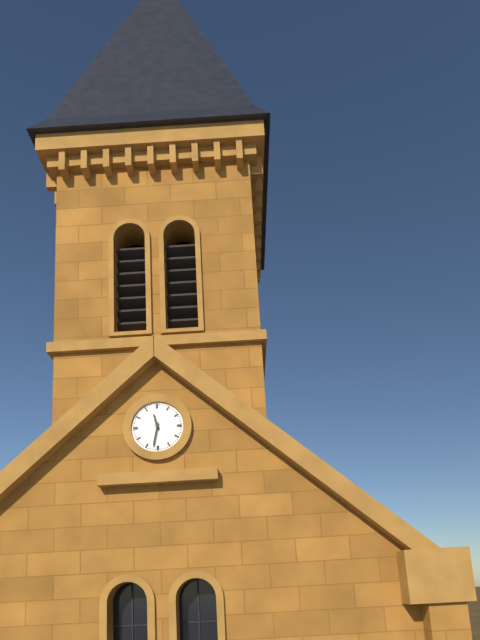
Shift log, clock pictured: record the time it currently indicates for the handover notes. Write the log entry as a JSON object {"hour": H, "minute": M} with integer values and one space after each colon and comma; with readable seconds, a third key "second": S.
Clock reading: {"hour": 11, "minute": 32}
